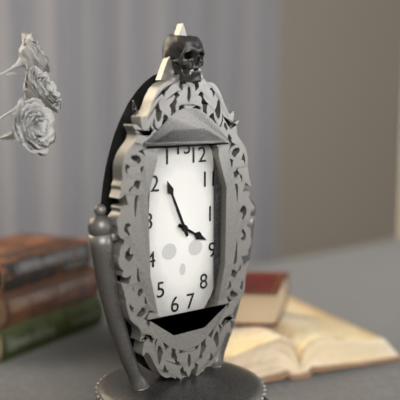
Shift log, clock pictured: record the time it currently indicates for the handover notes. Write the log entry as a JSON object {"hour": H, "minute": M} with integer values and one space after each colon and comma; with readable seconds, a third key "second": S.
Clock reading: {"hour": 3, "minute": 56}
